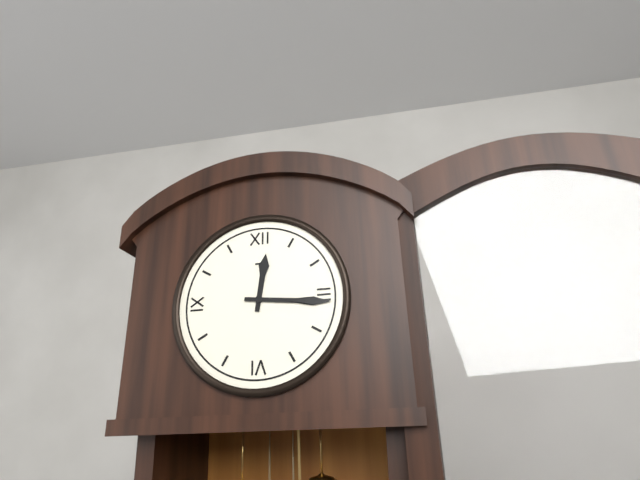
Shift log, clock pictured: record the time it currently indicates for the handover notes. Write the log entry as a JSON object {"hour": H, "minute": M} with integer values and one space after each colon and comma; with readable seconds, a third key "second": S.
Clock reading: {"hour": 12, "minute": 16}
